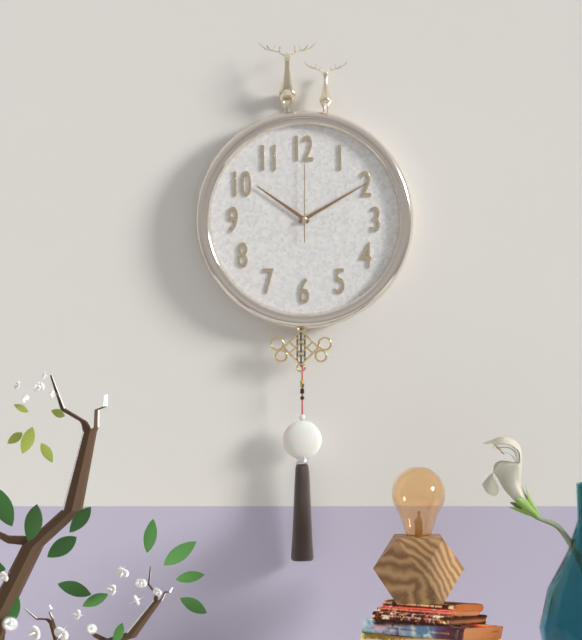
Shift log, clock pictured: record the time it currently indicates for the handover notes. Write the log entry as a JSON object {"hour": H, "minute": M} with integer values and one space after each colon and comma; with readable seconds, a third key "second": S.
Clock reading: {"hour": 10, "minute": 10, "second": 0}
